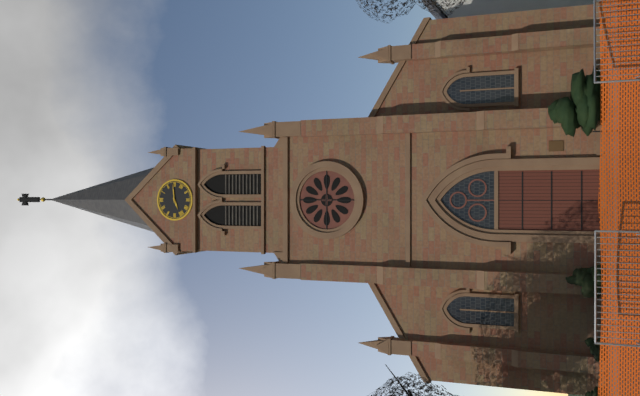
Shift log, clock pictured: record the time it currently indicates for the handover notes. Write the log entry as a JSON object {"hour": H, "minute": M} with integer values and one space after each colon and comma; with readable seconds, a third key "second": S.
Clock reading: {"hour": 8, "minute": 14}
